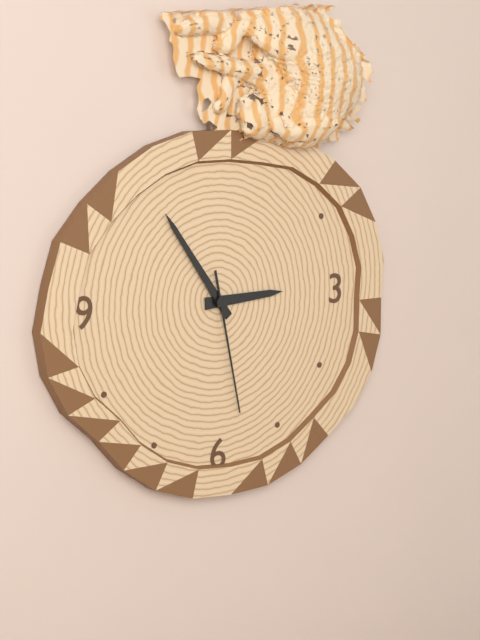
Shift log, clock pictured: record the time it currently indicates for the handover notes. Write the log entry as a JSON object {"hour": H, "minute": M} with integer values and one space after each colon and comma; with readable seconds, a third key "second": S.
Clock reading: {"hour": 2, "minute": 54, "second": 28}
